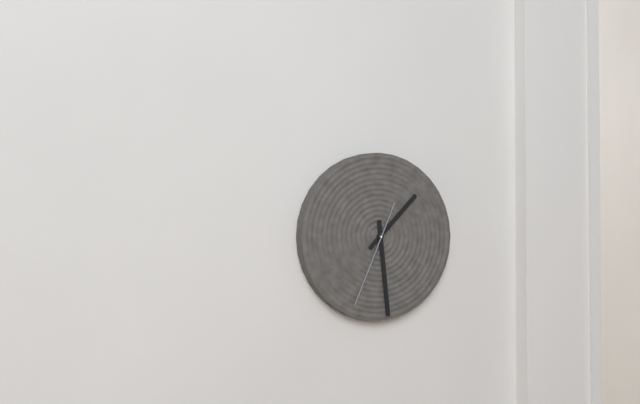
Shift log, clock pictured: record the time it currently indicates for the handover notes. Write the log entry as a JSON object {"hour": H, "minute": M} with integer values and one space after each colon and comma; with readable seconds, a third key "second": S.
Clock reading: {"hour": 1, "minute": 29, "second": 34}
